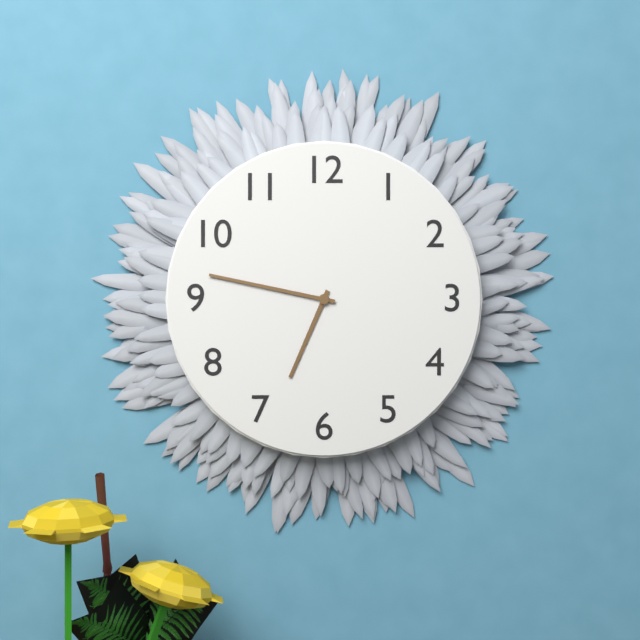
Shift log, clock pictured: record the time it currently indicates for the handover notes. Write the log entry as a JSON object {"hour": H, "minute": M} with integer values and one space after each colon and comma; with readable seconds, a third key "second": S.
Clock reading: {"hour": 6, "minute": 47}
